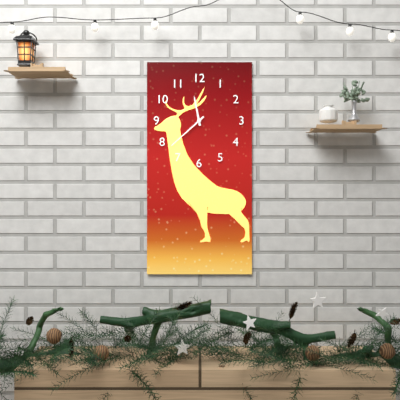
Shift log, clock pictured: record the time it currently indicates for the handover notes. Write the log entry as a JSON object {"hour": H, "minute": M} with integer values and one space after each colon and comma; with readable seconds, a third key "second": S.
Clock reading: {"hour": 11, "minute": 38}
